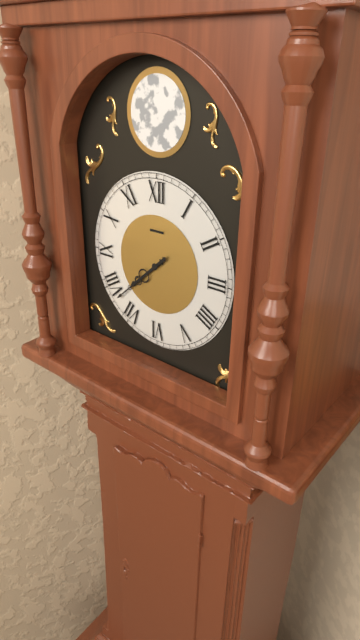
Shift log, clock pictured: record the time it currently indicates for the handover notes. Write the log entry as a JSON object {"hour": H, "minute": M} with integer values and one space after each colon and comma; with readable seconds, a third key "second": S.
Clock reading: {"hour": 7, "minute": 38}
